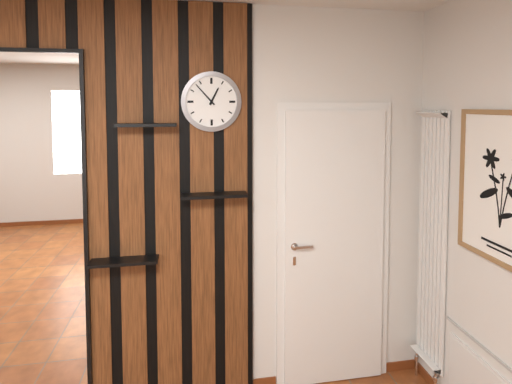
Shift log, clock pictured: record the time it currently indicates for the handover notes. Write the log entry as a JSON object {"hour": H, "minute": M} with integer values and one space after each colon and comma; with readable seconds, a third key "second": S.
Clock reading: {"hour": 12, "minute": 53}
